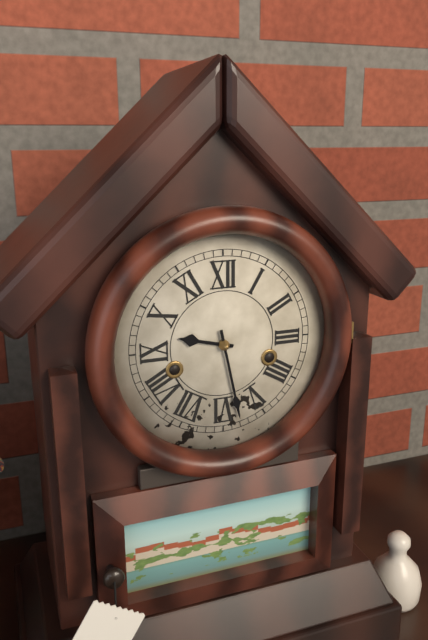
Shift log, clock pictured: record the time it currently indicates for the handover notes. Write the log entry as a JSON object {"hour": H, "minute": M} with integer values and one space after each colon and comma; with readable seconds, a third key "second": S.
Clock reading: {"hour": 9, "minute": 28}
